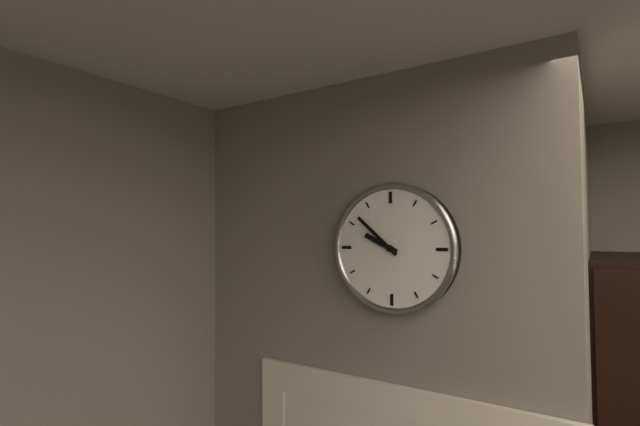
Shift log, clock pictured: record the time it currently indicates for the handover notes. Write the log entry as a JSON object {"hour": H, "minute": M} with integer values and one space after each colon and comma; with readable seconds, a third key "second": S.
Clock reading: {"hour": 9, "minute": 52}
